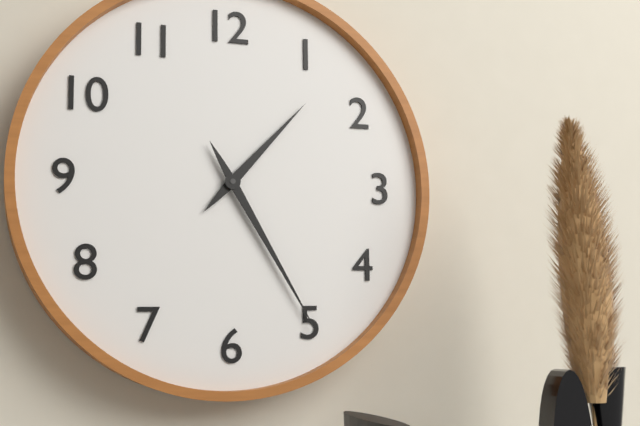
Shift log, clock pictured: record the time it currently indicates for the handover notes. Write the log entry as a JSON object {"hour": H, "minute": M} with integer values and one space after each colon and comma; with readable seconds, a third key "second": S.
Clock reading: {"hour": 1, "minute": 25}
